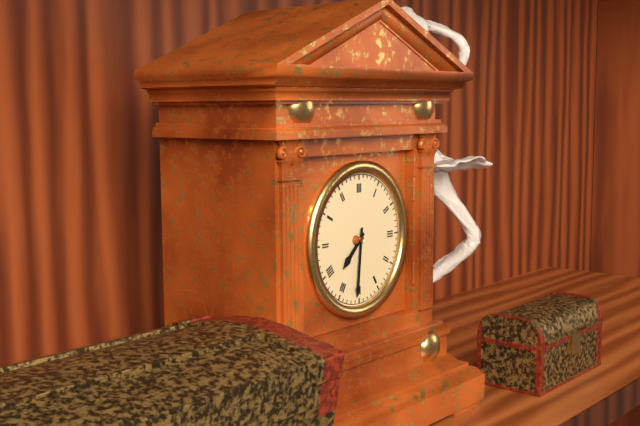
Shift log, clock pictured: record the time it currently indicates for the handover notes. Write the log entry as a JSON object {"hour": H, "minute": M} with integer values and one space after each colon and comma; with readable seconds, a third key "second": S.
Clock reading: {"hour": 7, "minute": 31}
